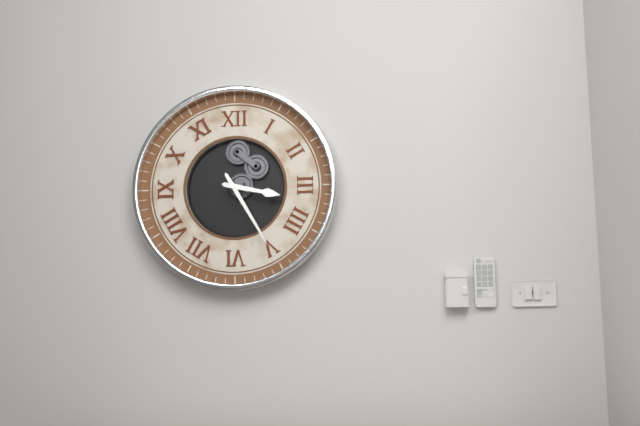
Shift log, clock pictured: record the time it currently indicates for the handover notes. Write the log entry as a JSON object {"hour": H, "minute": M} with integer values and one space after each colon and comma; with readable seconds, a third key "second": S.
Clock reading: {"hour": 3, "minute": 25}
